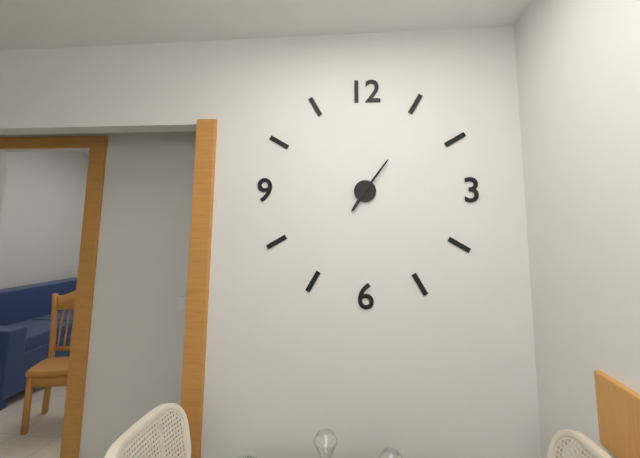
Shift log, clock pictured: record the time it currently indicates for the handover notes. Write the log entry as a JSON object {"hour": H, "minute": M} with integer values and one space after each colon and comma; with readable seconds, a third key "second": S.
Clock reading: {"hour": 7, "minute": 6}
